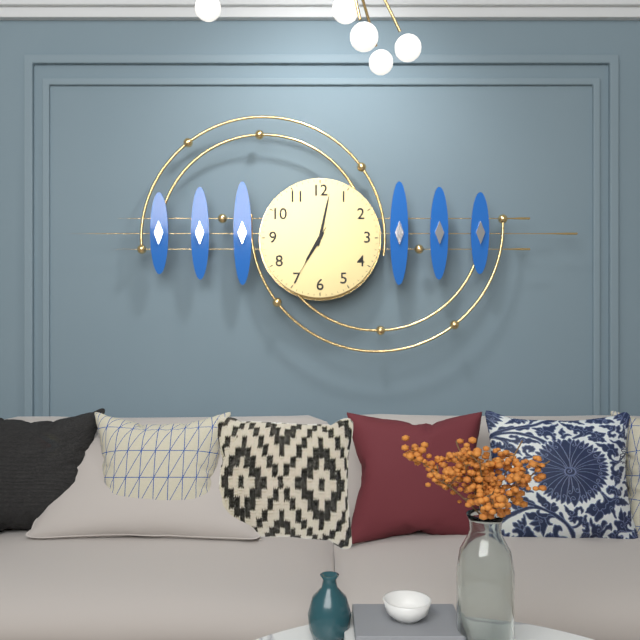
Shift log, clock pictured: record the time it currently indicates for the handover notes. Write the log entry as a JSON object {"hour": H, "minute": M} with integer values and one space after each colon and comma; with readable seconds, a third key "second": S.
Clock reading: {"hour": 7, "minute": 2, "second": 35}
